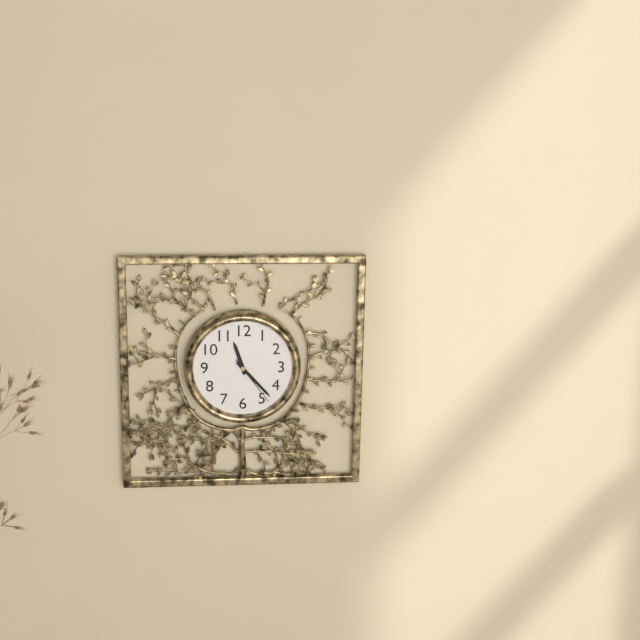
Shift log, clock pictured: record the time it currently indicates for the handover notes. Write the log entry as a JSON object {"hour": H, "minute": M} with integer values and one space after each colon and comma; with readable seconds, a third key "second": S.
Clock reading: {"hour": 11, "minute": 23, "second": 24}
